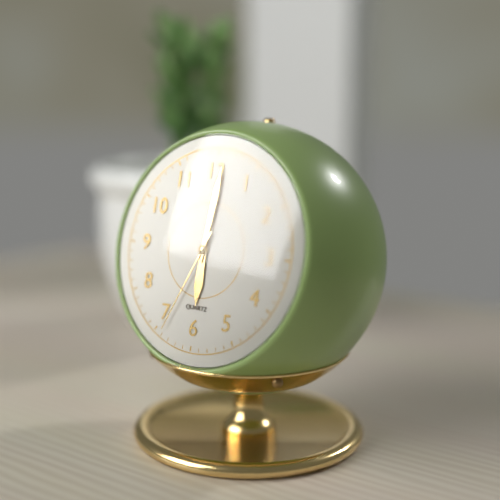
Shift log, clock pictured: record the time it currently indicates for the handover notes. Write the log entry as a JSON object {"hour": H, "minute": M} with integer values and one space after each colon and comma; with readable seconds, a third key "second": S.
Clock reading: {"hour": 6, "minute": 1, "second": 34}
